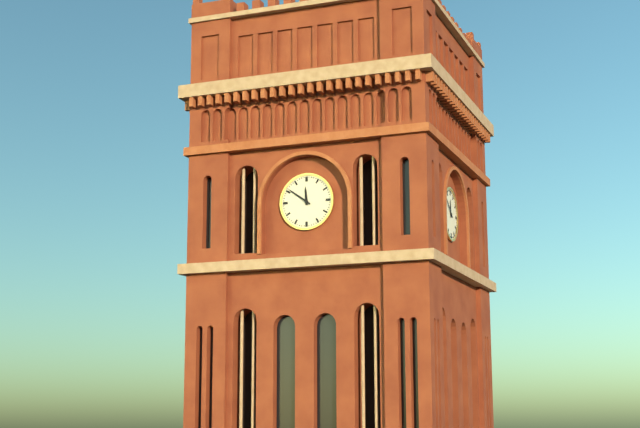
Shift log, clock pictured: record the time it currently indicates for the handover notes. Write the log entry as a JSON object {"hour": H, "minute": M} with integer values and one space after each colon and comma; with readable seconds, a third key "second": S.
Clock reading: {"hour": 11, "minute": 51}
